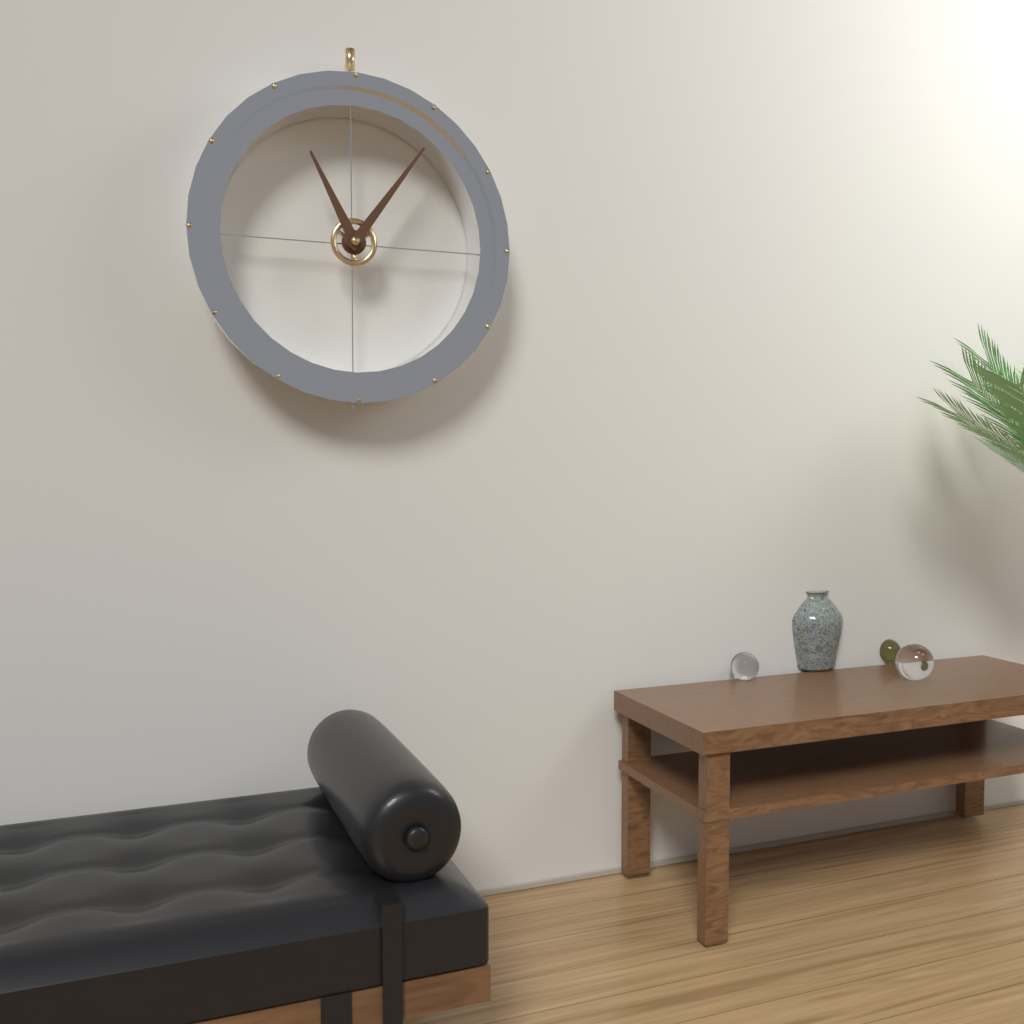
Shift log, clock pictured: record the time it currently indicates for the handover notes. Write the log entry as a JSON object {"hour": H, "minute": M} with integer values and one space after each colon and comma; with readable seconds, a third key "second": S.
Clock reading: {"hour": 11, "minute": 6}
